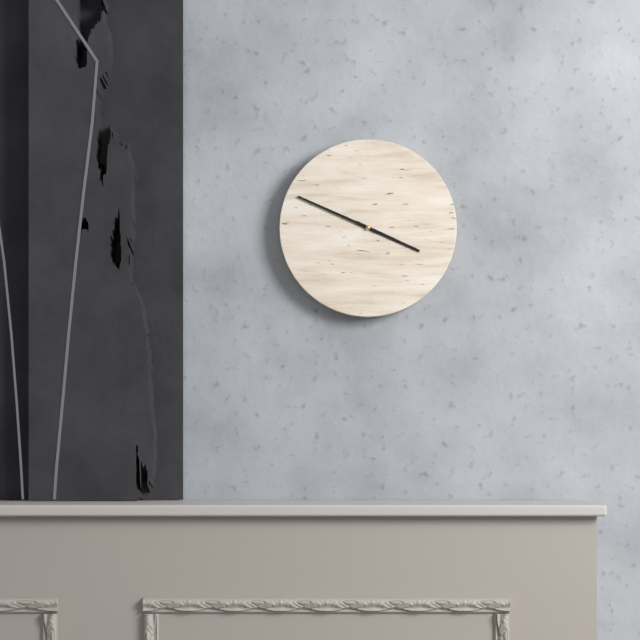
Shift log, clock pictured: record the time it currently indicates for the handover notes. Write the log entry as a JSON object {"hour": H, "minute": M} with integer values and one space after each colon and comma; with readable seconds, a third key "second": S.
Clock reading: {"hour": 3, "minute": 49}
